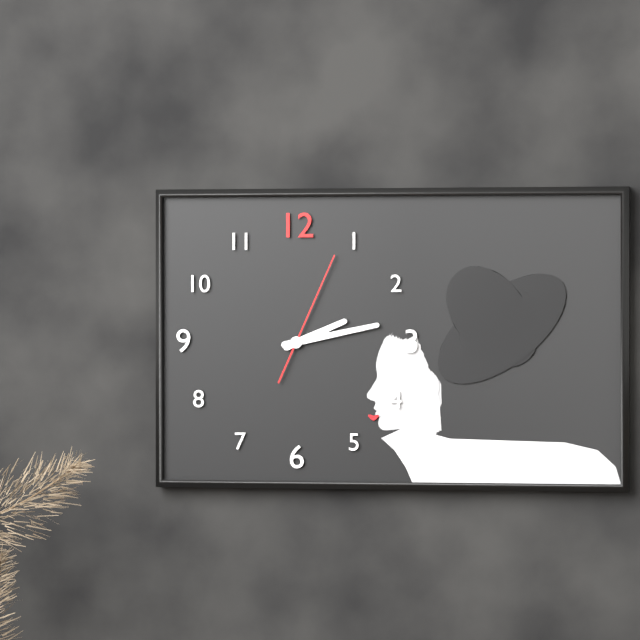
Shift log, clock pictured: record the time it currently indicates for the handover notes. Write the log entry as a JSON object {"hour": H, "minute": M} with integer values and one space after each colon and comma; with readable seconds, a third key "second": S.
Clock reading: {"hour": 2, "minute": 13, "second": 4}
